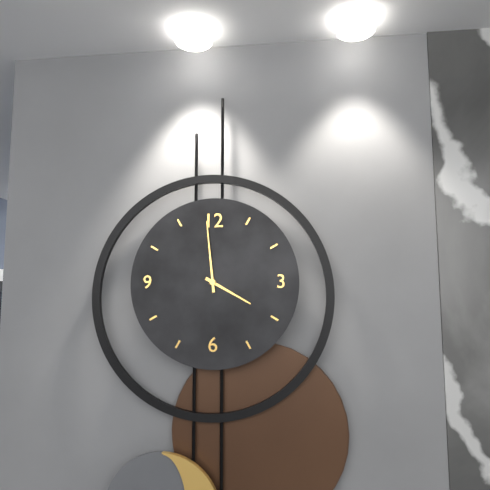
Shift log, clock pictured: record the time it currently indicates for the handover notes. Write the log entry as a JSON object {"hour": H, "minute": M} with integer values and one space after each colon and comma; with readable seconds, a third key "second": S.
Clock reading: {"hour": 3, "minute": 59}
